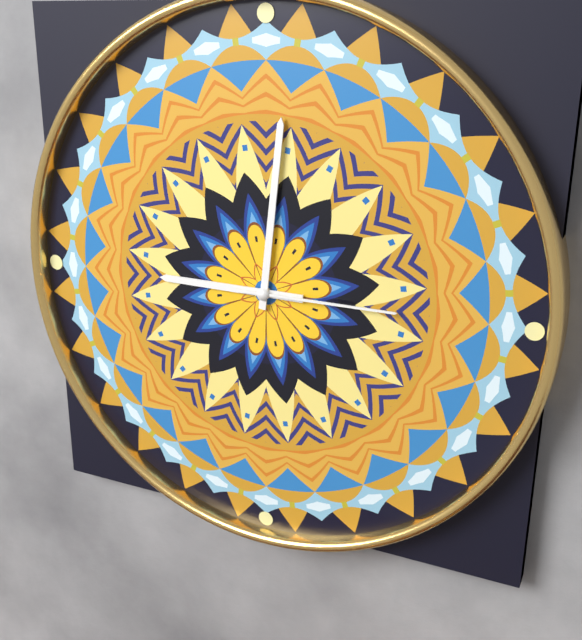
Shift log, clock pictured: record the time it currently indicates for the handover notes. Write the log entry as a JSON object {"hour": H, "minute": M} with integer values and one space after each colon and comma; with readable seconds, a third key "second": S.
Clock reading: {"hour": 9, "minute": 1, "second": 15}
